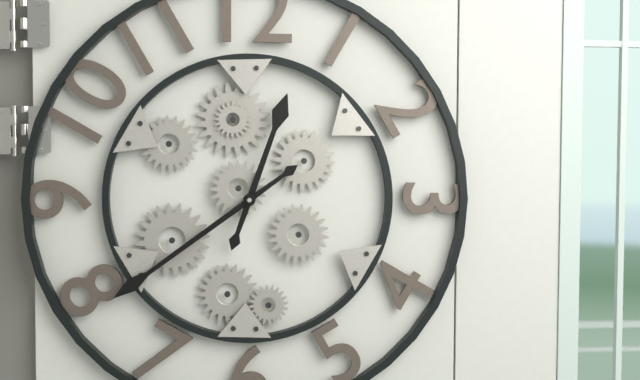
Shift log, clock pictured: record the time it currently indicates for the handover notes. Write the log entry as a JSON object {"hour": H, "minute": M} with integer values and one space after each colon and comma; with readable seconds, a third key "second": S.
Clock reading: {"hour": 12, "minute": 39}
